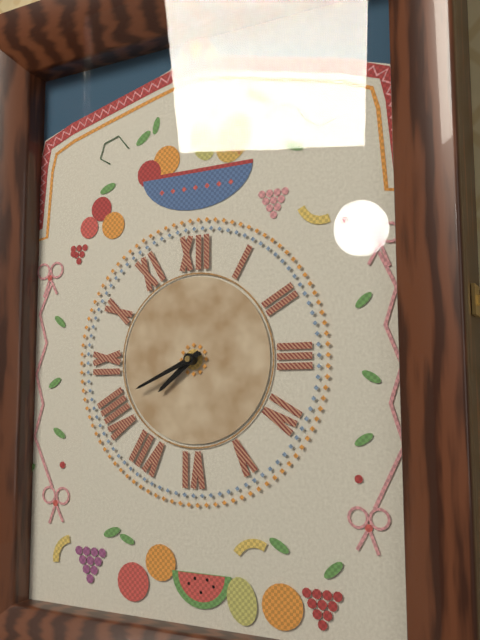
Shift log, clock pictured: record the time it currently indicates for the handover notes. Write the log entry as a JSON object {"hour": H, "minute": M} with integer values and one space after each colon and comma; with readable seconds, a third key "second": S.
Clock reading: {"hour": 7, "minute": 41}
